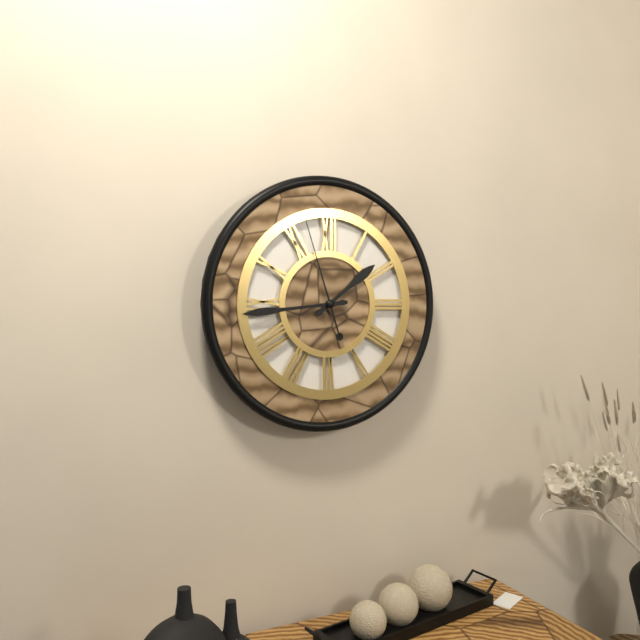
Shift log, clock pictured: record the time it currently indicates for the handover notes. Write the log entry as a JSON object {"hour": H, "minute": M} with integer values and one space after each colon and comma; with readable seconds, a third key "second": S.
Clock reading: {"hour": 1, "minute": 44, "second": 57}
